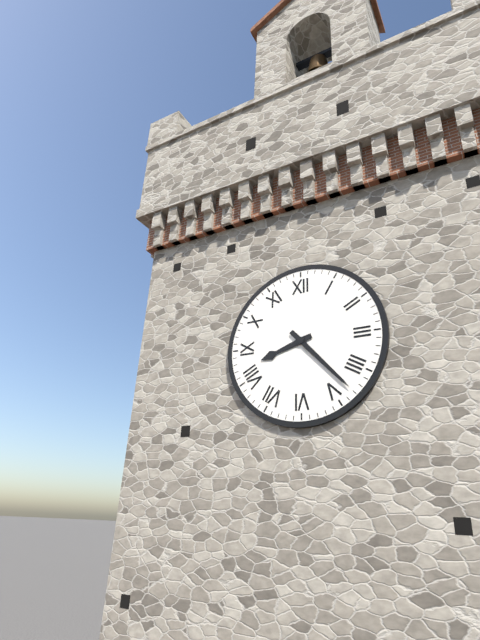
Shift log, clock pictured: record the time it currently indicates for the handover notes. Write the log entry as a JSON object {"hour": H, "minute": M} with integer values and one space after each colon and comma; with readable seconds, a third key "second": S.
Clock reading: {"hour": 8, "minute": 23}
